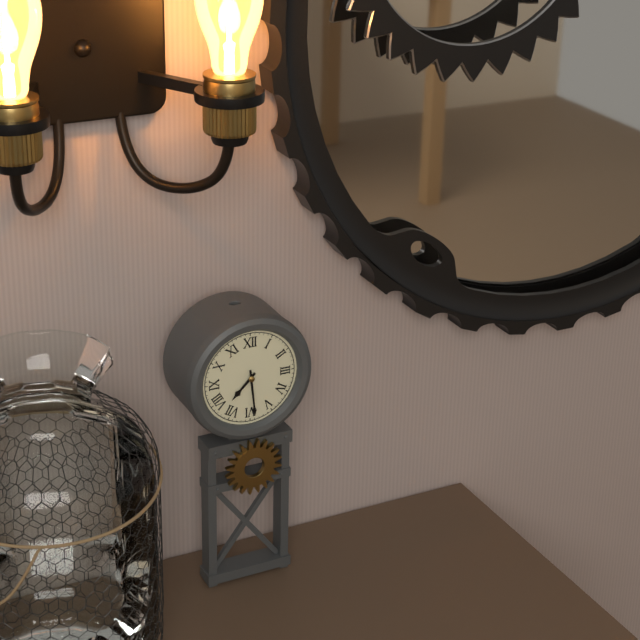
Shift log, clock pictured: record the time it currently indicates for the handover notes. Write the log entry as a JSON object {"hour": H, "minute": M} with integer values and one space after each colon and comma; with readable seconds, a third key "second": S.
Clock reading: {"hour": 7, "minute": 29}
